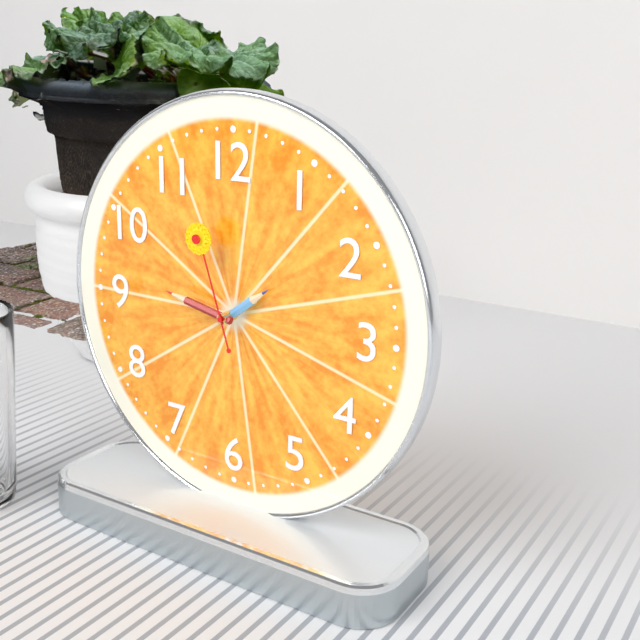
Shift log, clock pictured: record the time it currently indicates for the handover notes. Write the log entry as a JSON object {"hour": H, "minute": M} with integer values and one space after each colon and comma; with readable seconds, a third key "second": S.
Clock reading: {"hour": 1, "minute": 47, "second": 57}
